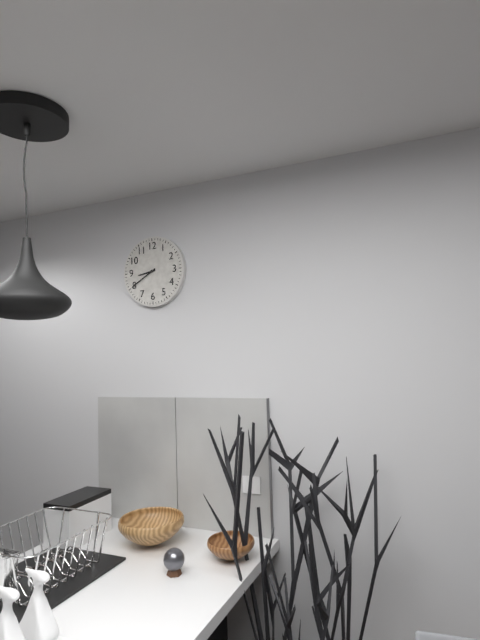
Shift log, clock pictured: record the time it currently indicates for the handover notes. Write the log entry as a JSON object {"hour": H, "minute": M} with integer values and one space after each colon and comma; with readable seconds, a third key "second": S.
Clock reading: {"hour": 8, "minute": 40}
